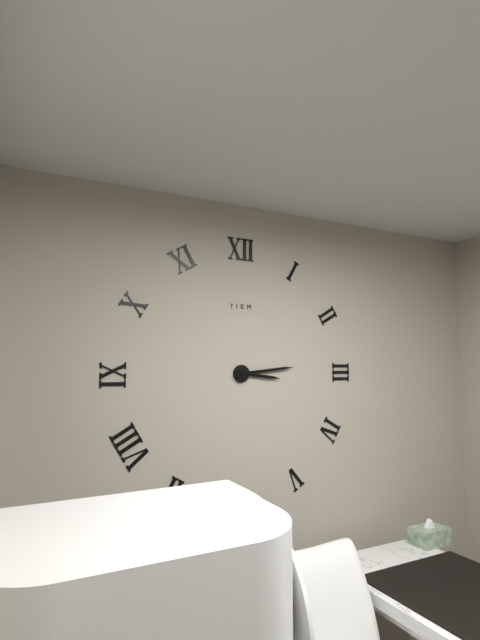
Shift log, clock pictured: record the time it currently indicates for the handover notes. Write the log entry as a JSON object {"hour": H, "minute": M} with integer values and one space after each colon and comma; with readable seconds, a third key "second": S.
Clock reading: {"hour": 3, "minute": 14}
